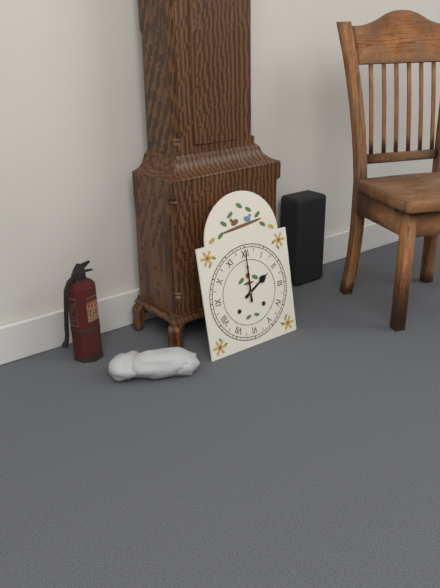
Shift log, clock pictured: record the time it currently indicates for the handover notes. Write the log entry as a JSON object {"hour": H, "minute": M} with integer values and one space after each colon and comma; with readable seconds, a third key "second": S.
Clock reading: {"hour": 2, "minute": 0}
